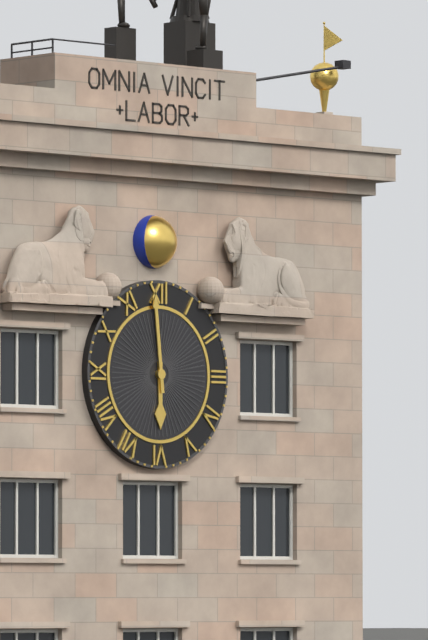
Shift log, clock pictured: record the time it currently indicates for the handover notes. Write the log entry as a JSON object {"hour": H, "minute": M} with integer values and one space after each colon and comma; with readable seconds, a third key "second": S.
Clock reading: {"hour": 5, "minute": 59}
